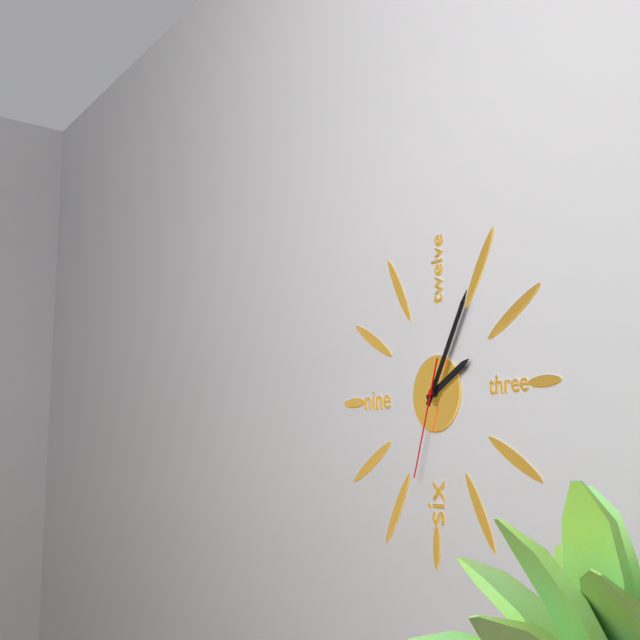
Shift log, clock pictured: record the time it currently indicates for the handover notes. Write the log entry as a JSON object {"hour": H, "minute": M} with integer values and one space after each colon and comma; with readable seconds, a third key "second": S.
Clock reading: {"hour": 2, "minute": 5, "second": 33}
